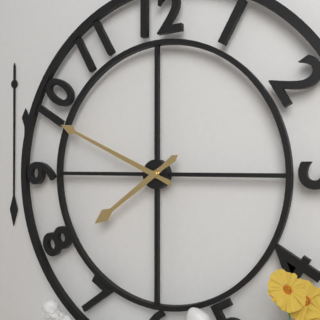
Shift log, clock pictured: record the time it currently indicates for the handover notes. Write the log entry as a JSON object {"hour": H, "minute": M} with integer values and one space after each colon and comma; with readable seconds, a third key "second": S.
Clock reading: {"hour": 7, "minute": 49}
